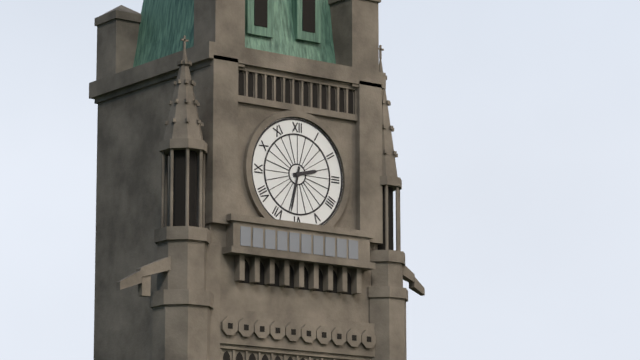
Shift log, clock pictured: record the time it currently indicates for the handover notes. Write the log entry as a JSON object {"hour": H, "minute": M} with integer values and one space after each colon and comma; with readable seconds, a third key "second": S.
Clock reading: {"hour": 2, "minute": 32}
